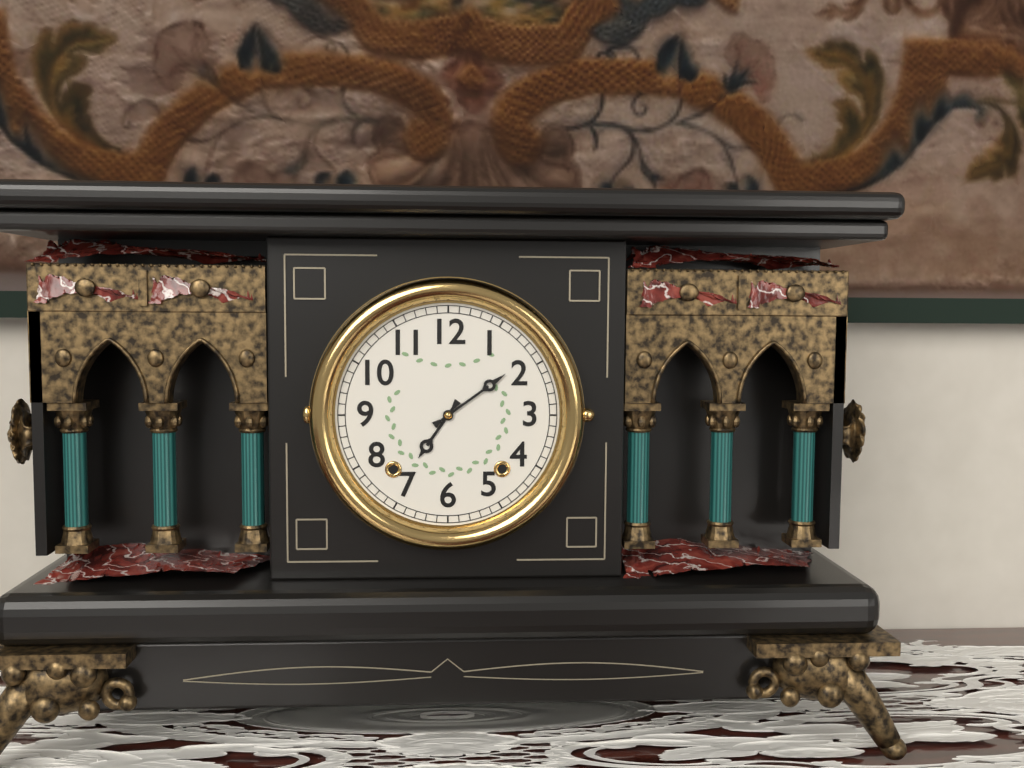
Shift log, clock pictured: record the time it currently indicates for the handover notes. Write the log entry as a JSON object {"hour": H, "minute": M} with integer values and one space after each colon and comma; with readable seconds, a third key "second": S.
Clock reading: {"hour": 7, "minute": 9}
